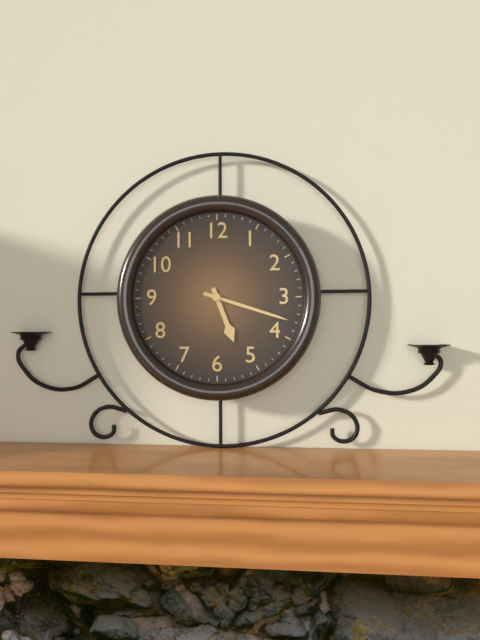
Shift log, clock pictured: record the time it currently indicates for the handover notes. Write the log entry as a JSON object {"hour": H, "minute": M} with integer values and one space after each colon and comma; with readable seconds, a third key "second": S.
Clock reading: {"hour": 5, "minute": 18}
